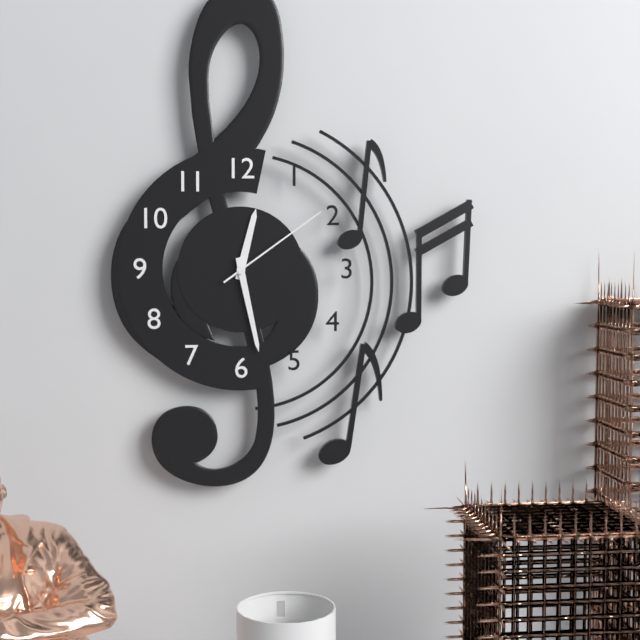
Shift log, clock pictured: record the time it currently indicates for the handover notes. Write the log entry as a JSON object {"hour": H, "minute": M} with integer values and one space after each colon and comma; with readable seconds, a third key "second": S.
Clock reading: {"hour": 12, "minute": 28, "second": 9}
